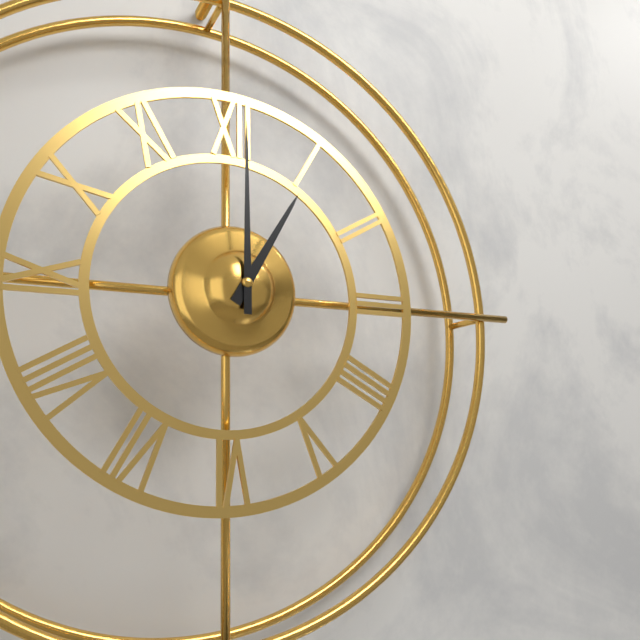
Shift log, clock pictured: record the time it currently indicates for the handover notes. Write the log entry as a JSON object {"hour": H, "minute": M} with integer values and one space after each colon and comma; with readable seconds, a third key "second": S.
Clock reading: {"hour": 1, "minute": 0}
